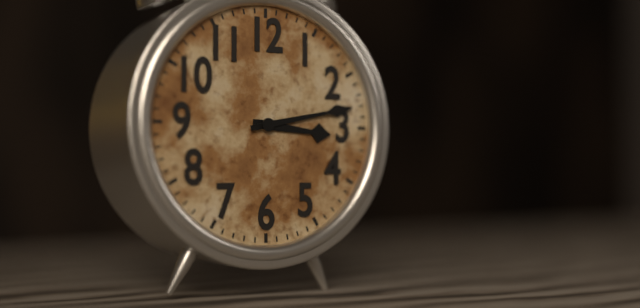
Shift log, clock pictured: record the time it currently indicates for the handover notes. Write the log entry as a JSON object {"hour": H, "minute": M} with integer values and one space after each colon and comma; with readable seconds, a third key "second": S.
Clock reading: {"hour": 3, "minute": 13}
